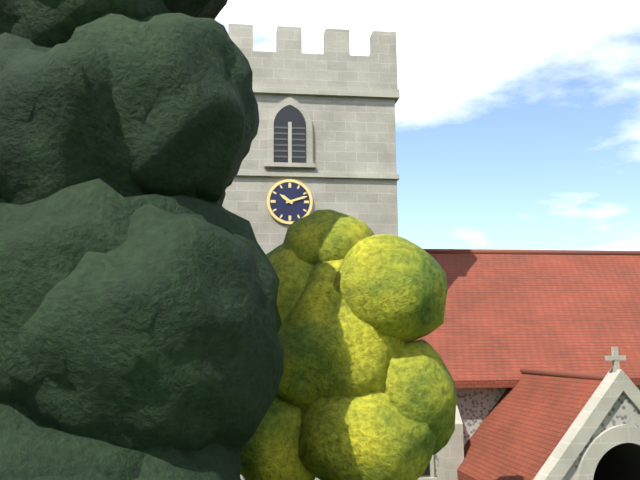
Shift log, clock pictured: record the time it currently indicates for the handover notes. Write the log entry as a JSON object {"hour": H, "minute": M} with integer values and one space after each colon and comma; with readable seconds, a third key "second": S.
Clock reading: {"hour": 10, "minute": 12}
